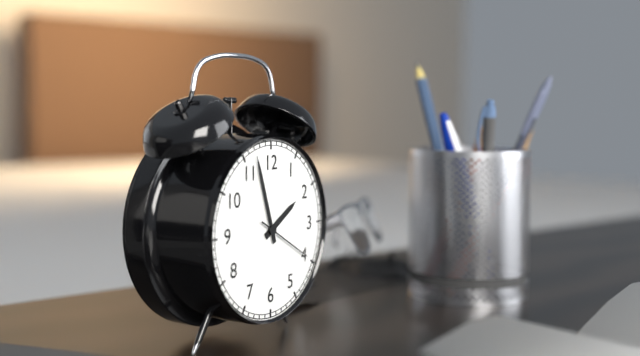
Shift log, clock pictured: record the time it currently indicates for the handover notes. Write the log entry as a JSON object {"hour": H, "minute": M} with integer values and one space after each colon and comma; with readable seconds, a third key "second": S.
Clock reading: {"hour": 1, "minute": 57, "second": 20}
